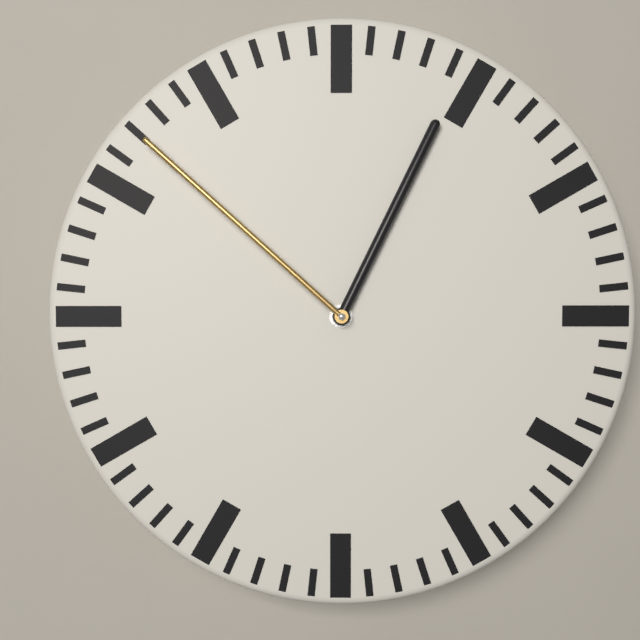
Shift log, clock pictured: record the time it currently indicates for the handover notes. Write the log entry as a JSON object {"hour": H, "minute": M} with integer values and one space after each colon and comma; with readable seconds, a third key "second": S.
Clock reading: {"hour": 12, "minute": 52}
